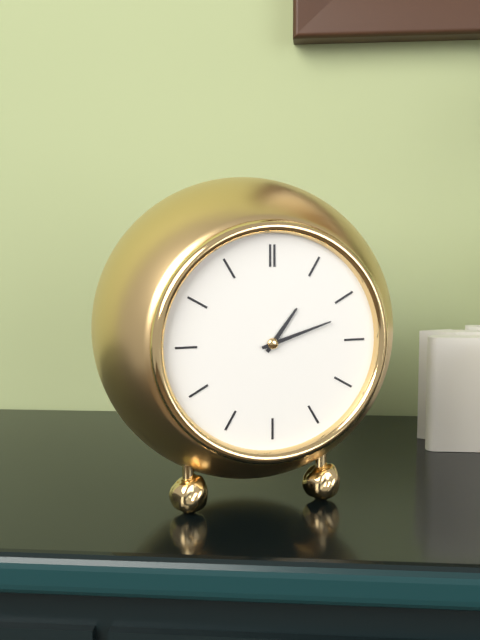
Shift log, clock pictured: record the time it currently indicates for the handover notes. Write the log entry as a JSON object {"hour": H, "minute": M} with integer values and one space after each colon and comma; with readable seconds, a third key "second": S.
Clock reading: {"hour": 1, "minute": 12}
